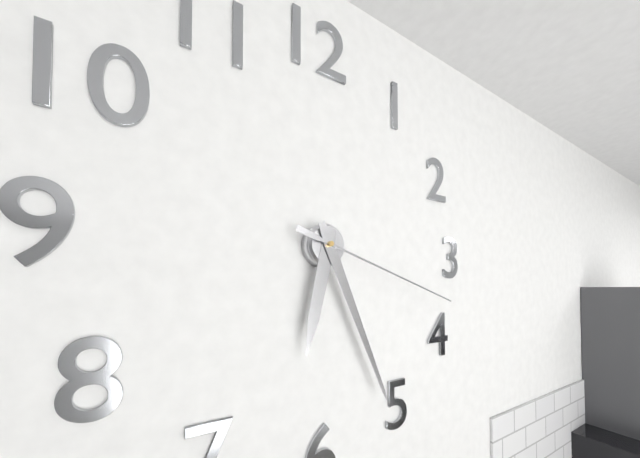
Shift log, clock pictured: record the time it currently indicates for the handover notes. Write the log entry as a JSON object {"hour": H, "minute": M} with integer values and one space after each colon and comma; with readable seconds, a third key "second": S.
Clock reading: {"hour": 6, "minute": 26, "second": 18}
